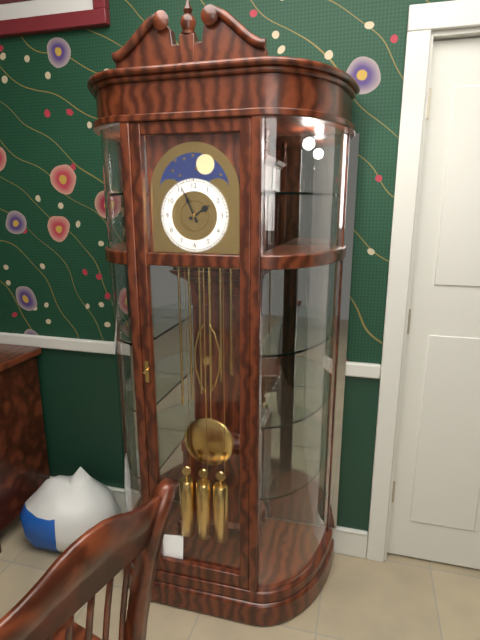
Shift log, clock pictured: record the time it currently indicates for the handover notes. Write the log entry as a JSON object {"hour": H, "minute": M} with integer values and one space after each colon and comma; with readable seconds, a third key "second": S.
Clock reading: {"hour": 1, "minute": 56}
